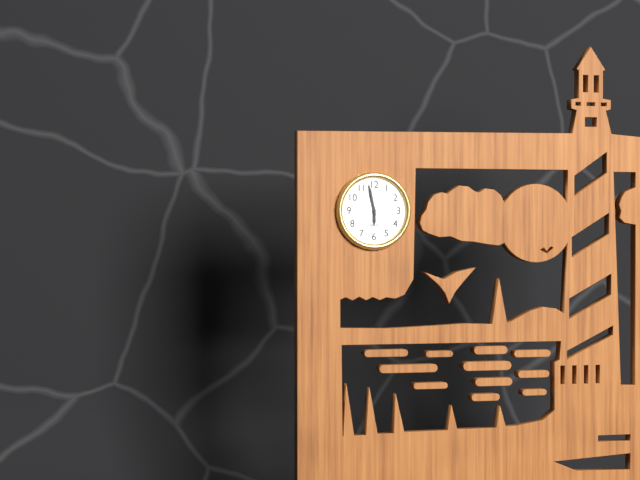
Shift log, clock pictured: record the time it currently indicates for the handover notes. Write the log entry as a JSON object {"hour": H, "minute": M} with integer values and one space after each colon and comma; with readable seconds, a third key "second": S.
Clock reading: {"hour": 5, "minute": 58}
